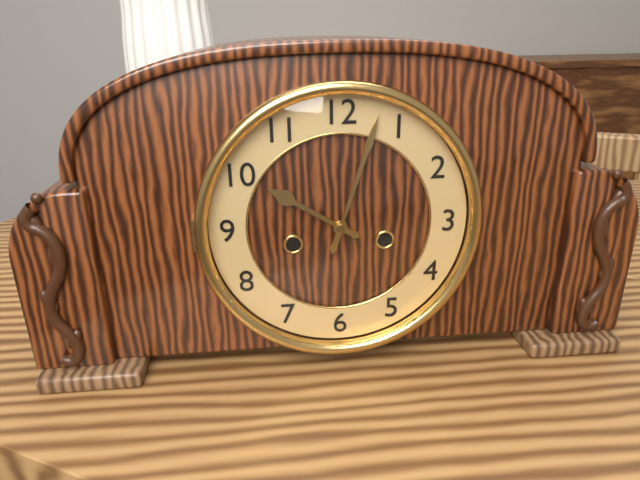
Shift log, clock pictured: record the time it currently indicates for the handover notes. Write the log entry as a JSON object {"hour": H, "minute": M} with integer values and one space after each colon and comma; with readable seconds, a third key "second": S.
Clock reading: {"hour": 10, "minute": 3}
